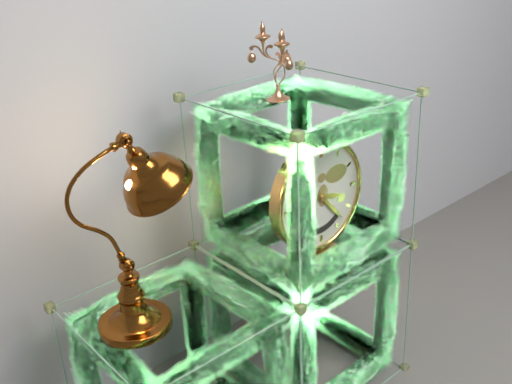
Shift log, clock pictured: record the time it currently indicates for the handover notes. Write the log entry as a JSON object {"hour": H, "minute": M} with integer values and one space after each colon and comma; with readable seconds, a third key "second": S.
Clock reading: {"hour": 3, "minute": 23}
